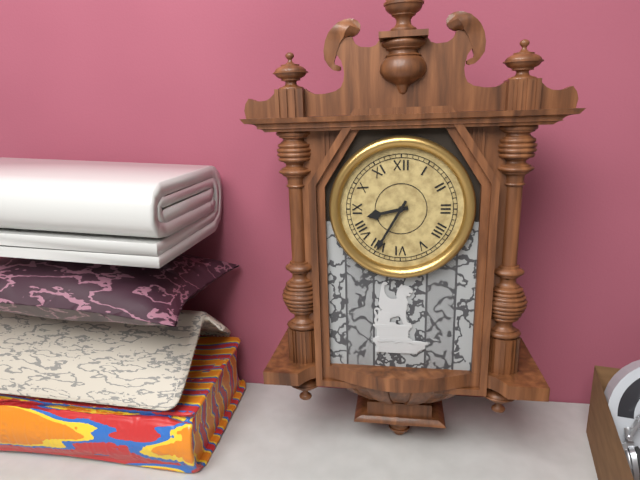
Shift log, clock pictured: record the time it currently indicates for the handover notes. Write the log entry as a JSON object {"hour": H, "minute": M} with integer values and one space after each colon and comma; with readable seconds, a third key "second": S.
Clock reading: {"hour": 8, "minute": 35}
